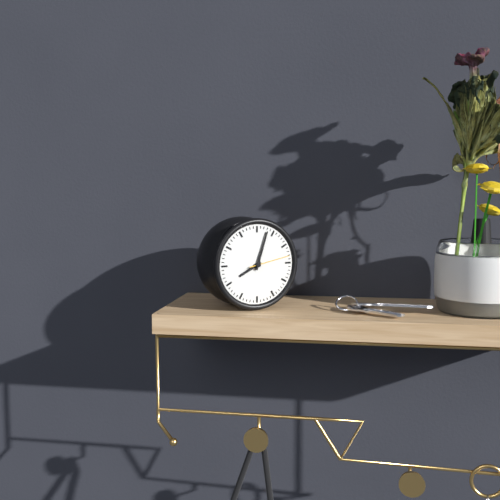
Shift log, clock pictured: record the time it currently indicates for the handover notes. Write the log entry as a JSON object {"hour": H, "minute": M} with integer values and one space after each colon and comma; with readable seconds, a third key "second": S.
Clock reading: {"hour": 8, "minute": 3}
